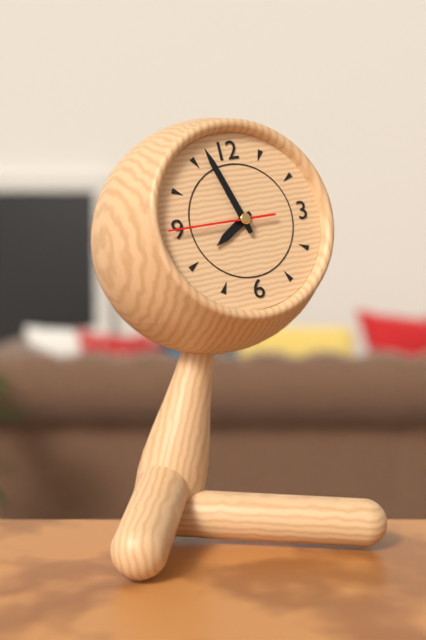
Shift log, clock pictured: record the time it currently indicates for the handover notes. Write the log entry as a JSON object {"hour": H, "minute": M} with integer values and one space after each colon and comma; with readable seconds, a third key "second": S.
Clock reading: {"hour": 7, "minute": 57, "second": 45}
